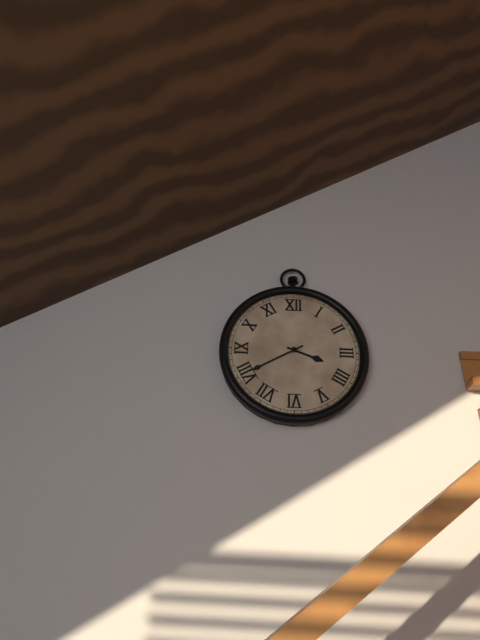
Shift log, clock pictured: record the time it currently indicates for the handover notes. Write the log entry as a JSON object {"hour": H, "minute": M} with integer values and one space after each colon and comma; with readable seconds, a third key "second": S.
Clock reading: {"hour": 3, "minute": 40}
